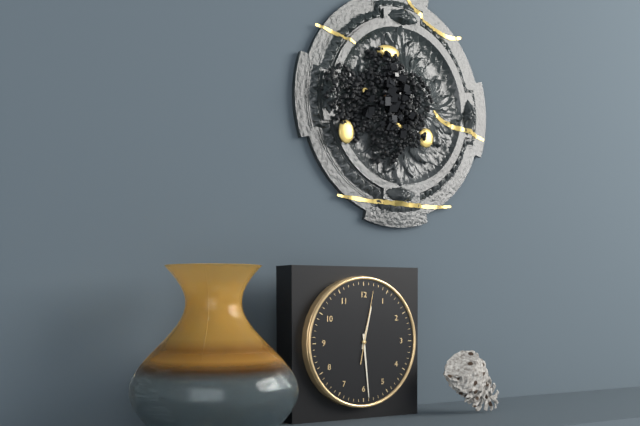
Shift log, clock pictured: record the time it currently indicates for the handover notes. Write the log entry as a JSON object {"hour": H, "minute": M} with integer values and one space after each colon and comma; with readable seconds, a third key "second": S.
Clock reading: {"hour": 12, "minute": 29, "second": 2}
